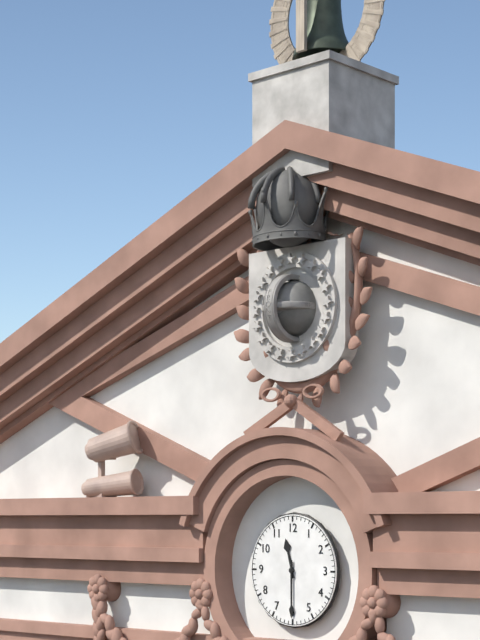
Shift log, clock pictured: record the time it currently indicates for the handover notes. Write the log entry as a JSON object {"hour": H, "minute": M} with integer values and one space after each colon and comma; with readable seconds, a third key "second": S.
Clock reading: {"hour": 11, "minute": 30}
